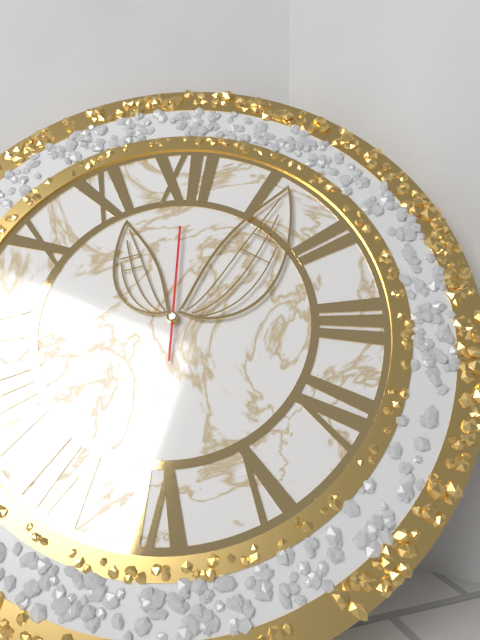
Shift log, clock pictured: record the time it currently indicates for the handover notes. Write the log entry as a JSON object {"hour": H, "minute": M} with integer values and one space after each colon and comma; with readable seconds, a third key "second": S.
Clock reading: {"hour": 11, "minute": 6, "second": 0}
